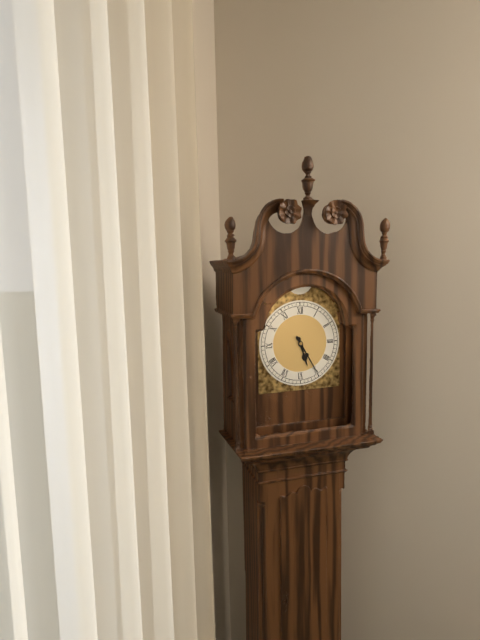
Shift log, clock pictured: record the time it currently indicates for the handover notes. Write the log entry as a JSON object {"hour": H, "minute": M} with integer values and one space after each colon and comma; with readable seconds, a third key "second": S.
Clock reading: {"hour": 5, "minute": 25}
